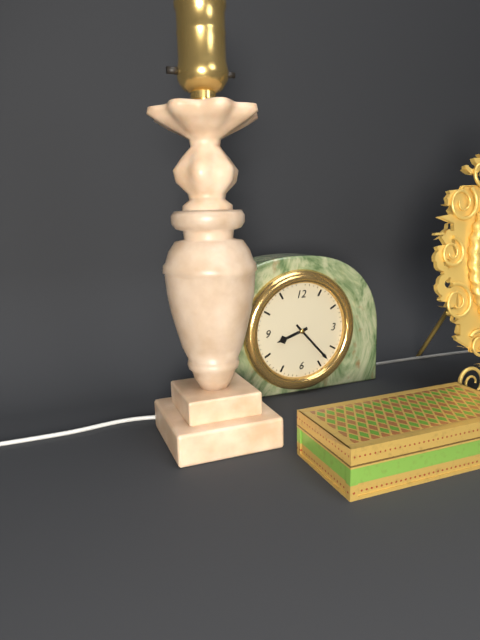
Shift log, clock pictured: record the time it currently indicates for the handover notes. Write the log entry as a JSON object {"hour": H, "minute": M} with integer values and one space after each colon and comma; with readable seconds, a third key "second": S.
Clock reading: {"hour": 8, "minute": 23}
